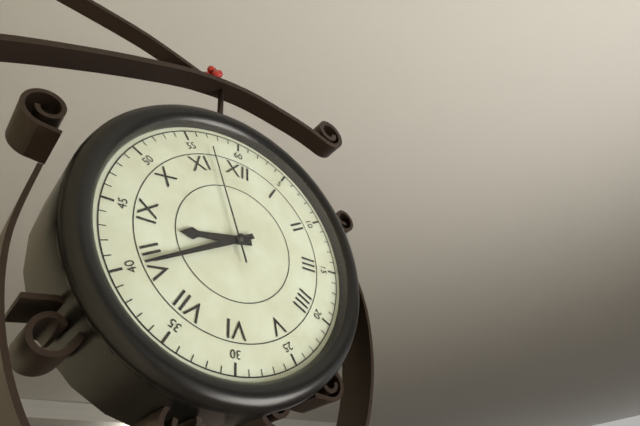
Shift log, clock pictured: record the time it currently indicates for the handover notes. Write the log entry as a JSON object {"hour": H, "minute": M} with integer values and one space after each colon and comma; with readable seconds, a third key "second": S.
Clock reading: {"hour": 8, "minute": 40, "second": 57}
